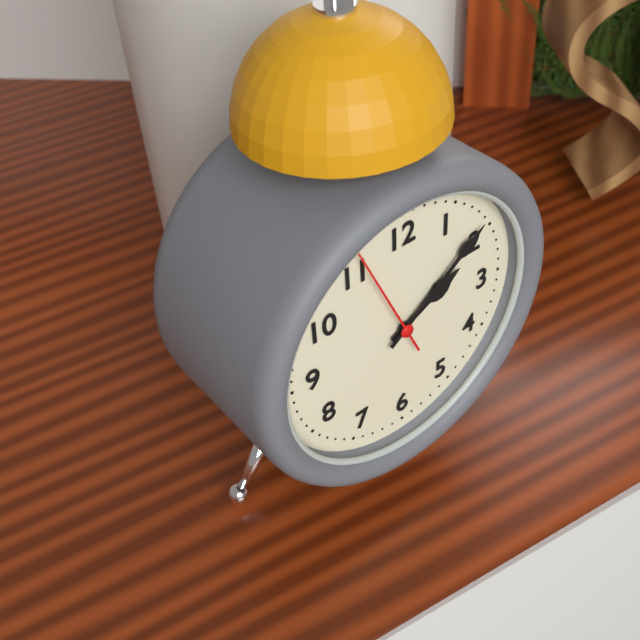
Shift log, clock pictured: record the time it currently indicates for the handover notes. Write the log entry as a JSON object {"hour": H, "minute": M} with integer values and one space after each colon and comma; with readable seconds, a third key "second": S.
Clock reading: {"hour": 2, "minute": 9, "second": 56}
